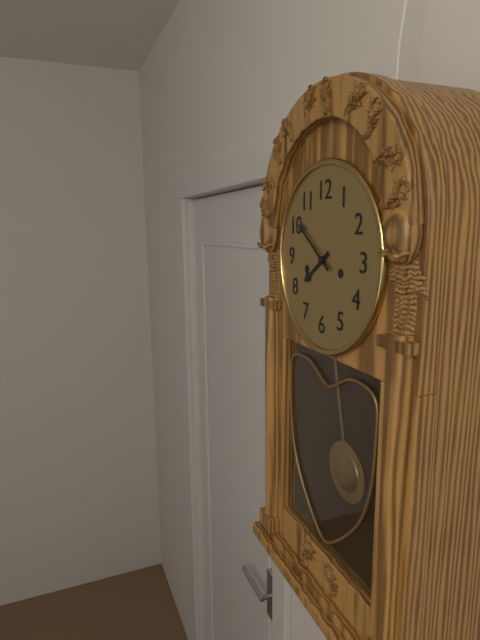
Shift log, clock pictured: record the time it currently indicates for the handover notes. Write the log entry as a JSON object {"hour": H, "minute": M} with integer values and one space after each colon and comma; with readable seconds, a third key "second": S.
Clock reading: {"hour": 7, "minute": 51}
